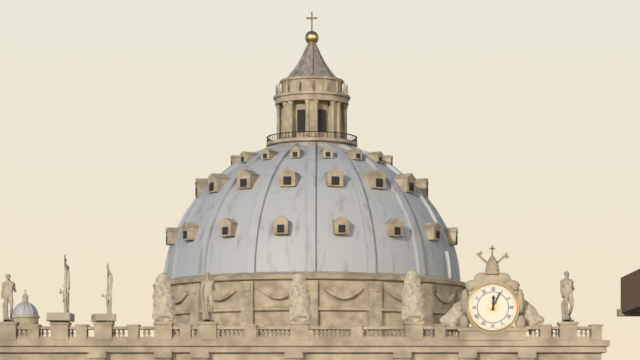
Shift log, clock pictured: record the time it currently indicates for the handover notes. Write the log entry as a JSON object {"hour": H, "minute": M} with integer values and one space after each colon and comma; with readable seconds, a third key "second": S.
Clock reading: {"hour": 12, "minute": 4}
